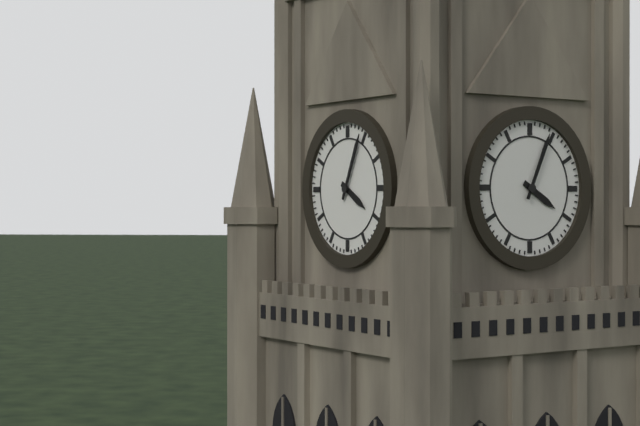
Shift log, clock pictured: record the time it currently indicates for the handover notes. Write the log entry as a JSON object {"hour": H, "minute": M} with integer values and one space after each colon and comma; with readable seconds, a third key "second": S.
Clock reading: {"hour": 4, "minute": 4}
